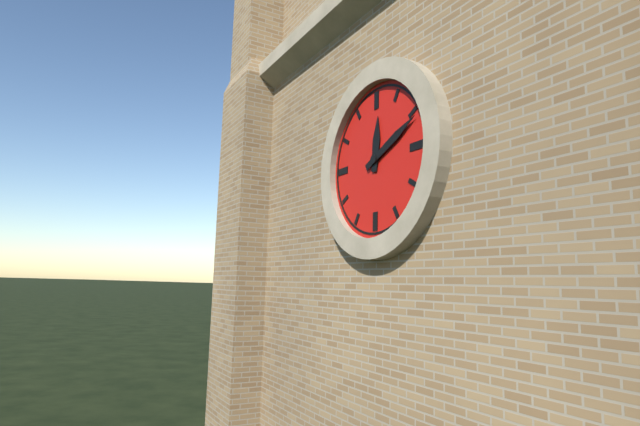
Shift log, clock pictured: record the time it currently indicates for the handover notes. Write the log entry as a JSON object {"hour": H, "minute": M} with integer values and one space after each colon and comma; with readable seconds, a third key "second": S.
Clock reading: {"hour": 12, "minute": 11}
